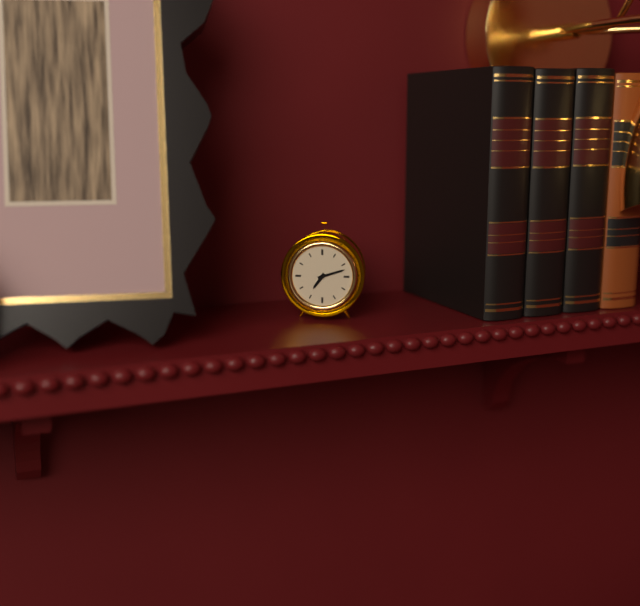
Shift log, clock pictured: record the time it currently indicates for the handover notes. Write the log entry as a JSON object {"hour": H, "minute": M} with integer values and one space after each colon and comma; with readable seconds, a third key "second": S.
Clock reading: {"hour": 7, "minute": 12}
